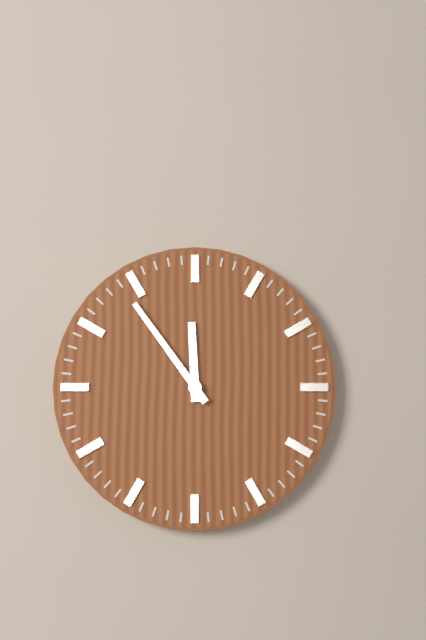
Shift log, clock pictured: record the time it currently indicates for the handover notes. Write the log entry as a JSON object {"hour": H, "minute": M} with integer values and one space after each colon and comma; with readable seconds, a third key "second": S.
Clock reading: {"hour": 11, "minute": 54}
